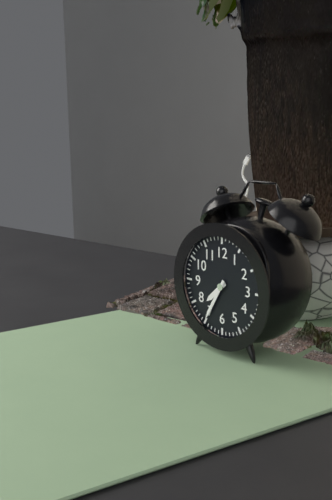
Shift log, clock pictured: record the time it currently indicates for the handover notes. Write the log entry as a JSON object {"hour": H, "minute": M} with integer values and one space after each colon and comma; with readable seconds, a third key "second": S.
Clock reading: {"hour": 7, "minute": 35}
